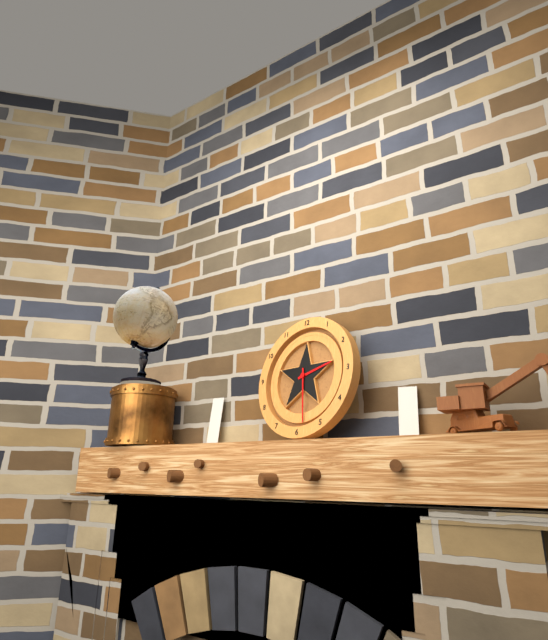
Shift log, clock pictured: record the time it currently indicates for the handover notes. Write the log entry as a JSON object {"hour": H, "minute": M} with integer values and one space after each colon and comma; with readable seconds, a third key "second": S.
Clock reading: {"hour": 2, "minute": 29}
